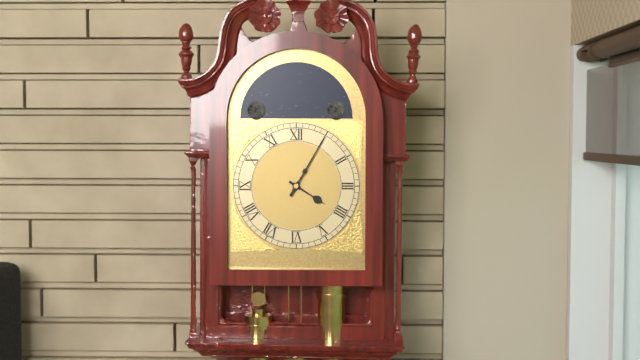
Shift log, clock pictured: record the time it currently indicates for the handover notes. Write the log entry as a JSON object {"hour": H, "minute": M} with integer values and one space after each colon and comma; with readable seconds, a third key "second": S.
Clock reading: {"hour": 4, "minute": 5}
